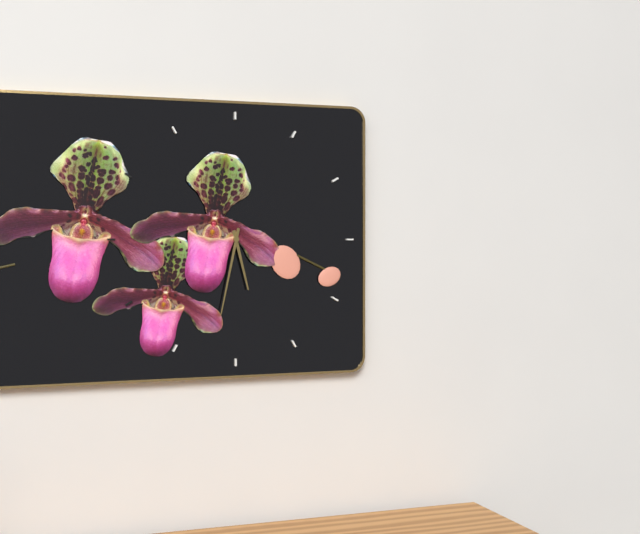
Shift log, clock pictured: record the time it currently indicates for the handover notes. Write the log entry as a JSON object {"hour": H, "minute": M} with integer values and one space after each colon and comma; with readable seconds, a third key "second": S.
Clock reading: {"hour": 5, "minute": 32}
